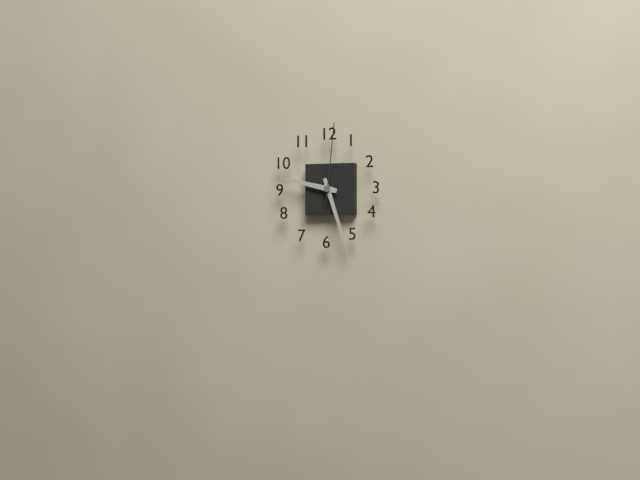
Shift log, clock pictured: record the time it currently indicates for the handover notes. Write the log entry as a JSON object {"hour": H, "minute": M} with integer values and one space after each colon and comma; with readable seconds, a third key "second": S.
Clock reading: {"hour": 9, "minute": 27, "second": 1}
